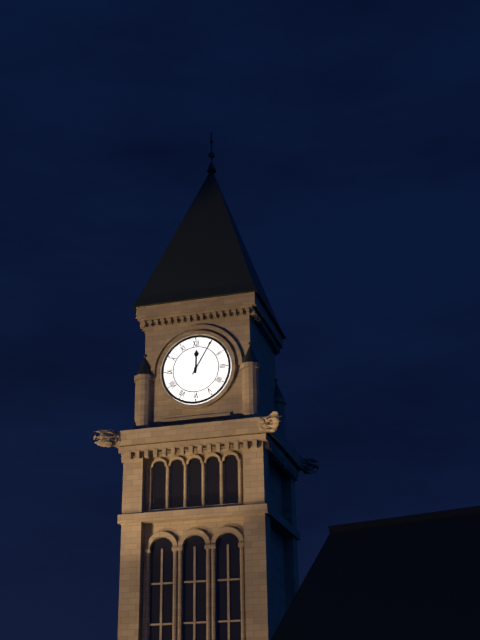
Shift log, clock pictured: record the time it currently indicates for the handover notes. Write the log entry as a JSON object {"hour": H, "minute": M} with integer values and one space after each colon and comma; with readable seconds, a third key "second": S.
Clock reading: {"hour": 12, "minute": 5}
